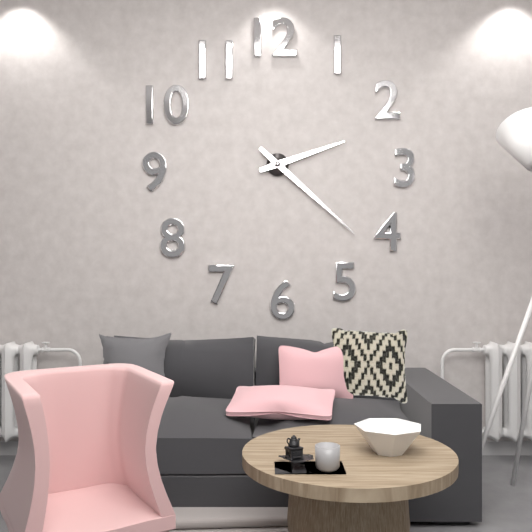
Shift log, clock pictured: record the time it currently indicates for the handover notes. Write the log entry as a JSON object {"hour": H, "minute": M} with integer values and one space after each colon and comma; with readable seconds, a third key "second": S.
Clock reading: {"hour": 2, "minute": 22}
